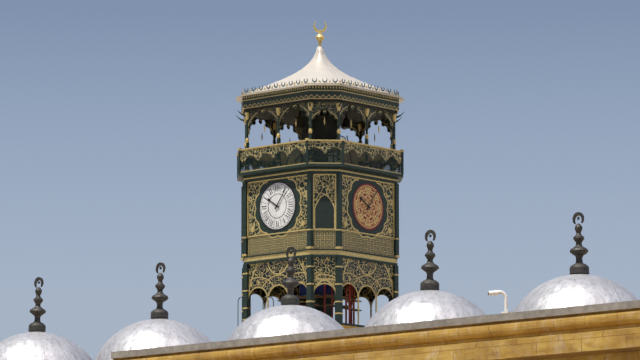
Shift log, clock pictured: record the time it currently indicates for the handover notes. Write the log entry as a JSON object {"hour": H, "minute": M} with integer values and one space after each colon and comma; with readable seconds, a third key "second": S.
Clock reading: {"hour": 10, "minute": 6}
